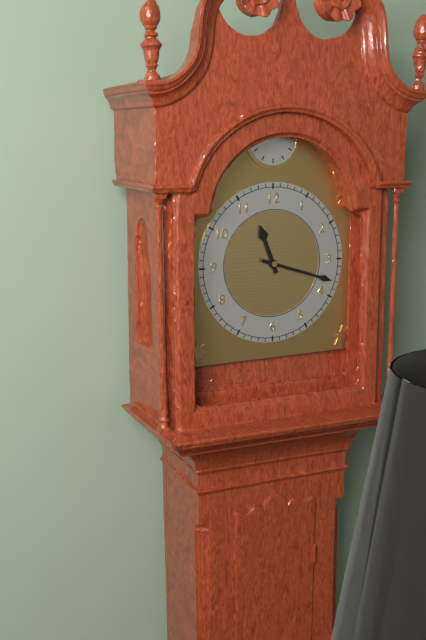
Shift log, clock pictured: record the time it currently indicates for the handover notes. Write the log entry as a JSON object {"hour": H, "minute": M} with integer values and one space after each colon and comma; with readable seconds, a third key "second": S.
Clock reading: {"hour": 11, "minute": 18}
